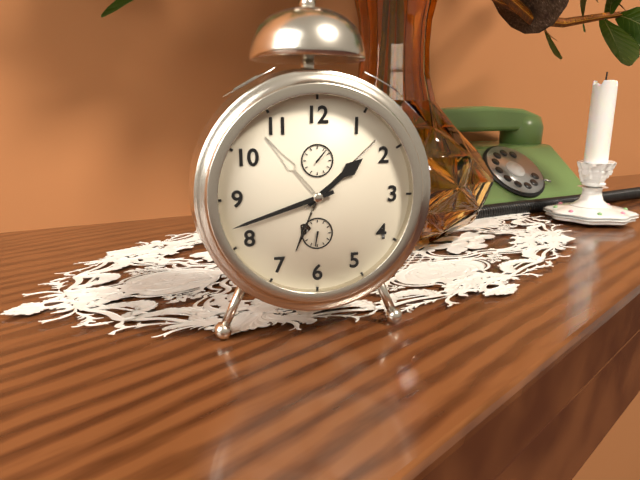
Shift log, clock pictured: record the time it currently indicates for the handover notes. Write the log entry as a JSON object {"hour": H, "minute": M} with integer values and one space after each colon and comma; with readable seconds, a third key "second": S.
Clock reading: {"hour": 1, "minute": 42}
